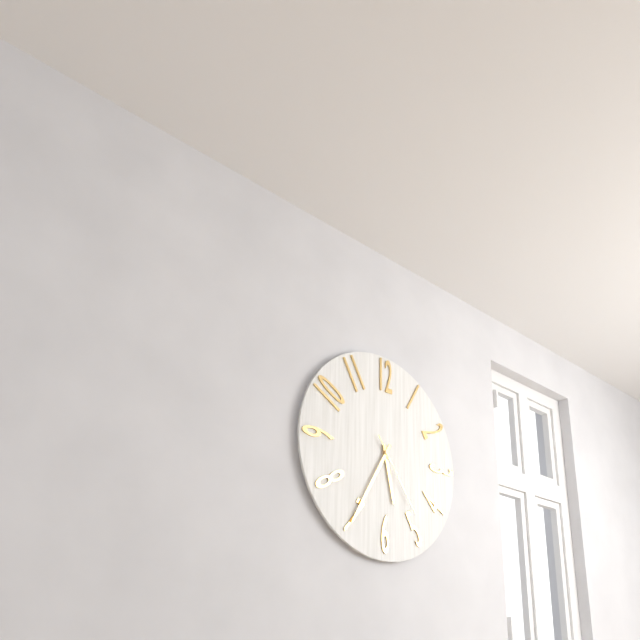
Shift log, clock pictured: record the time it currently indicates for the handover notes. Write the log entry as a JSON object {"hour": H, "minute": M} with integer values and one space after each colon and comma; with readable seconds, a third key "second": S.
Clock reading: {"hour": 5, "minute": 35, "second": 24}
